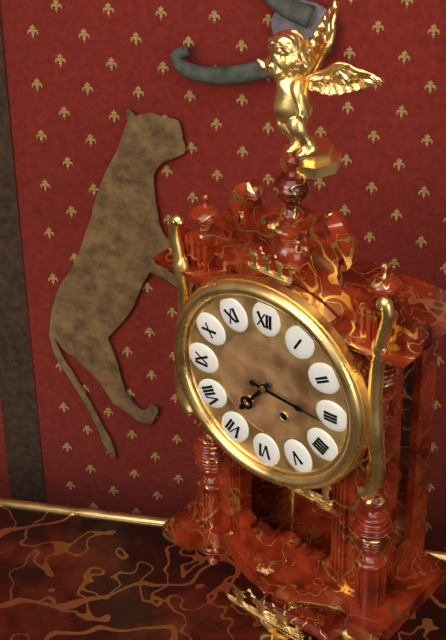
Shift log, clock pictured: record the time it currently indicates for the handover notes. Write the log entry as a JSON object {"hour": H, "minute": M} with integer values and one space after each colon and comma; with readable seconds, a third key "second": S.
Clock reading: {"hour": 7, "minute": 16}
